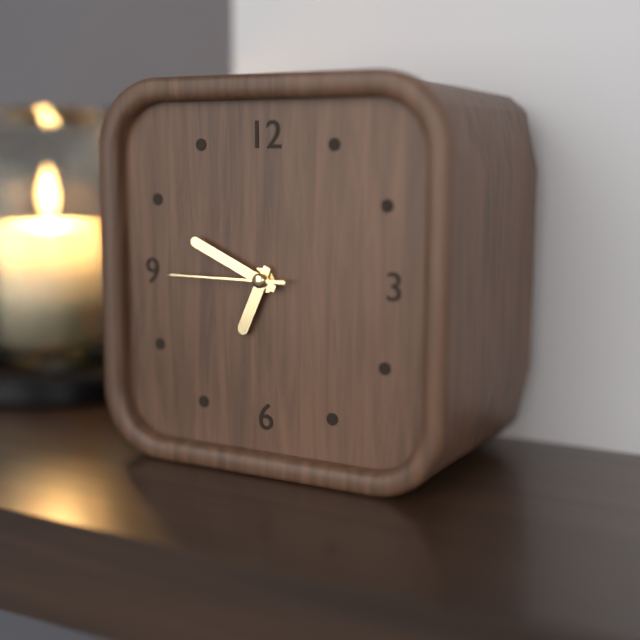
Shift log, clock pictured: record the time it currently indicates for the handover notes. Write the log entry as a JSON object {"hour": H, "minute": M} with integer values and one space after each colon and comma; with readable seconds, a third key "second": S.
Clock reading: {"hour": 6, "minute": 49, "second": 45}
